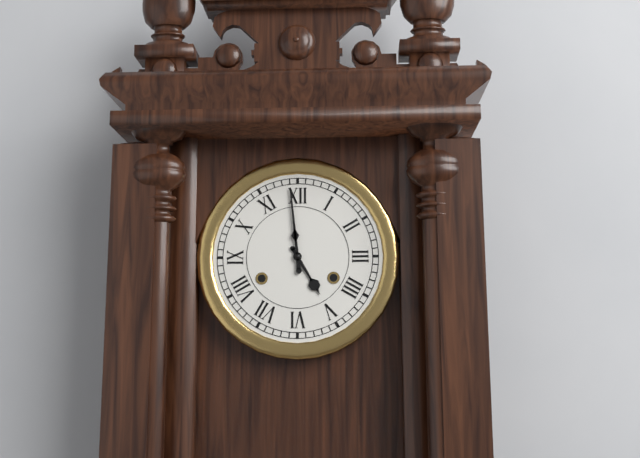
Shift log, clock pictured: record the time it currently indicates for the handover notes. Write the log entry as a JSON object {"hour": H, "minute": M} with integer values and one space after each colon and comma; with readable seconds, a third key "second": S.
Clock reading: {"hour": 4, "minute": 59}
